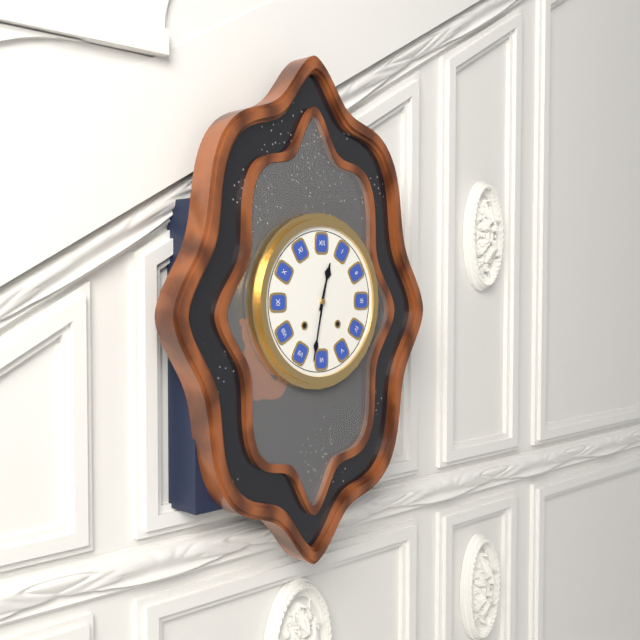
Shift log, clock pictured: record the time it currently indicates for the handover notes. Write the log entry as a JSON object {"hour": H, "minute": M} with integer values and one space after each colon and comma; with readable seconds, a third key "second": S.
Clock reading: {"hour": 12, "minute": 32}
